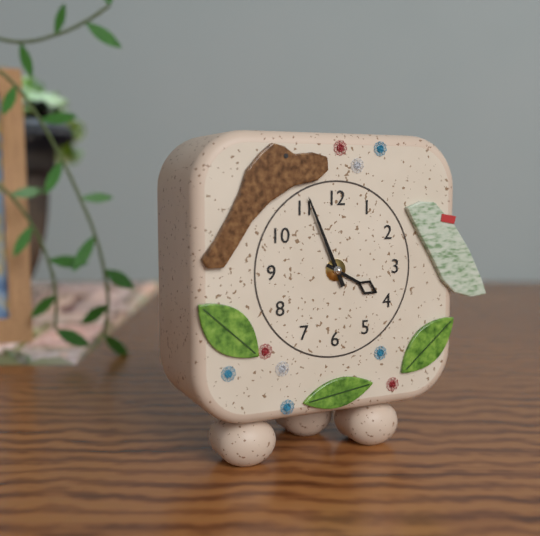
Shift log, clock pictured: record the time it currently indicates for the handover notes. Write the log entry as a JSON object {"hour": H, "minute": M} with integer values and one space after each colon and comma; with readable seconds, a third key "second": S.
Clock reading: {"hour": 3, "minute": 56}
